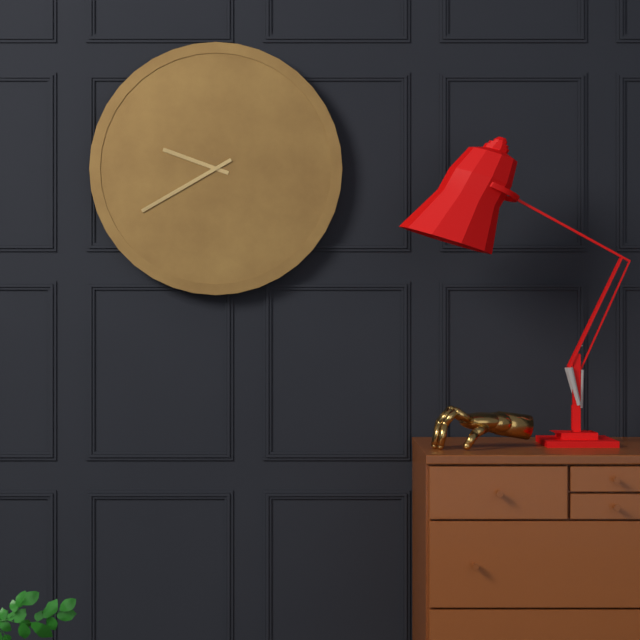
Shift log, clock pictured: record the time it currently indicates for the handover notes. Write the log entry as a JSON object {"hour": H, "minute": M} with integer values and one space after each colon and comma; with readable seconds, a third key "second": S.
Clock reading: {"hour": 9, "minute": 40}
